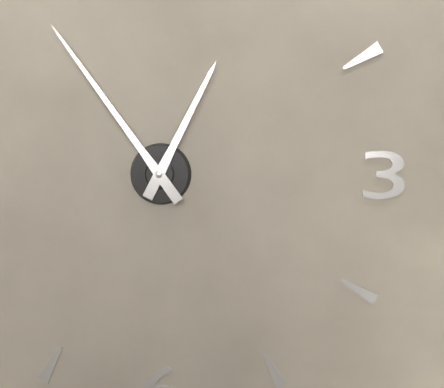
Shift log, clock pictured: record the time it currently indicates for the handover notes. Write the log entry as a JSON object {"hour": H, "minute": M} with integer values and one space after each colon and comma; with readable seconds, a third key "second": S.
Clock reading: {"hour": 12, "minute": 54}
